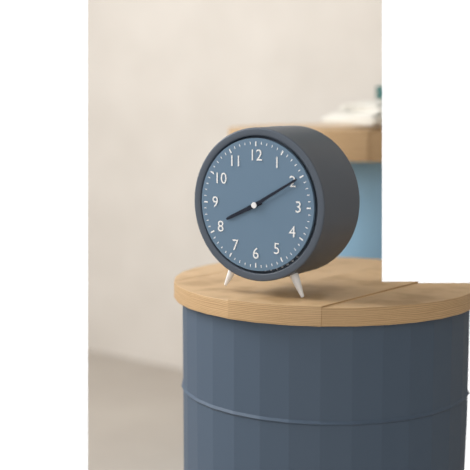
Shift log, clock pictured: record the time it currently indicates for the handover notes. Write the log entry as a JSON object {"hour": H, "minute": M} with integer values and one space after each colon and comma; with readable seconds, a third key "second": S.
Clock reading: {"hour": 8, "minute": 10}
